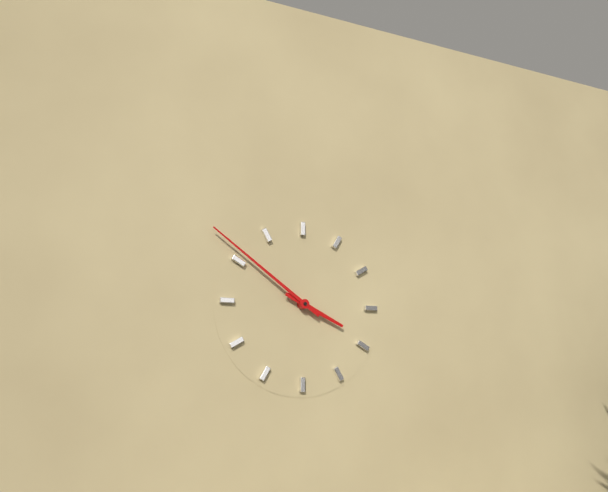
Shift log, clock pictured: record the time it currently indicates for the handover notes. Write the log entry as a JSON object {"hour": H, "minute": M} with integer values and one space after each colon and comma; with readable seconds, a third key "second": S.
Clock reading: {"hour": 3, "minute": 51}
